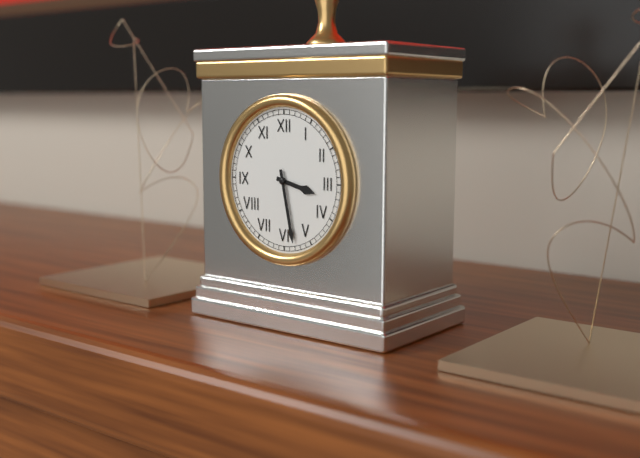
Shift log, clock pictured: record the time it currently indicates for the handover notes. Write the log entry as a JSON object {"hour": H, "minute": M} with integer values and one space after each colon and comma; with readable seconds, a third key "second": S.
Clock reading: {"hour": 3, "minute": 28}
